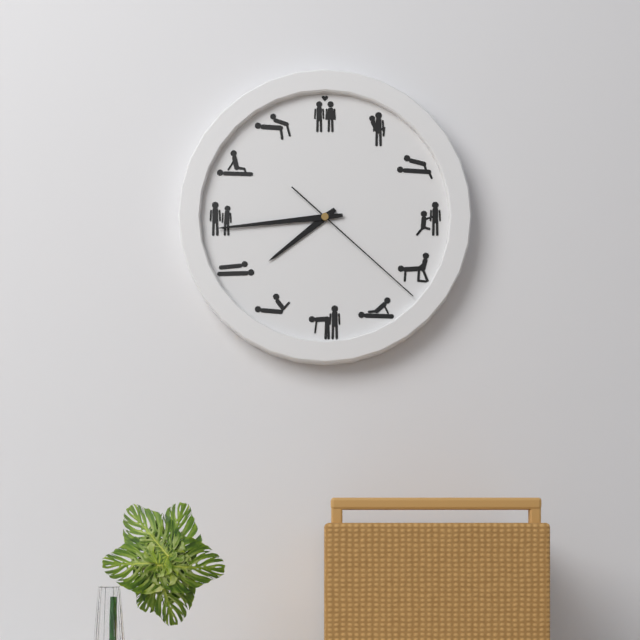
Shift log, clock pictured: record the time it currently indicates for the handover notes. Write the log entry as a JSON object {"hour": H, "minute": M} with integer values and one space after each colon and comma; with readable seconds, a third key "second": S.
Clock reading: {"hour": 7, "minute": 44, "second": 22}
